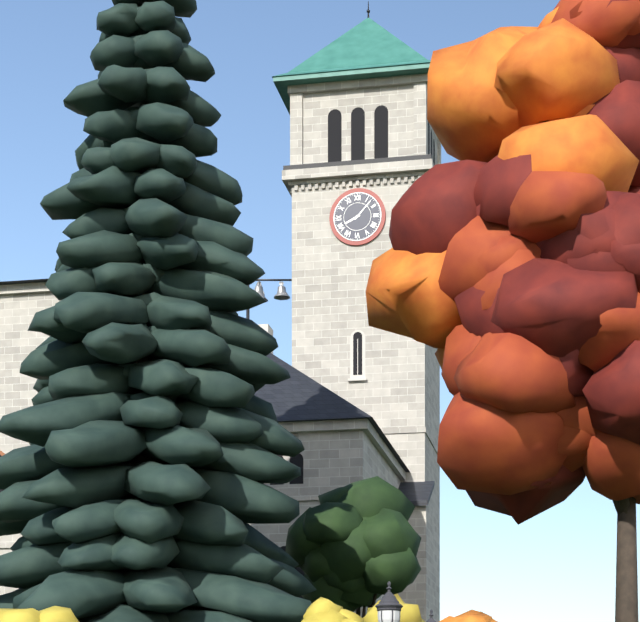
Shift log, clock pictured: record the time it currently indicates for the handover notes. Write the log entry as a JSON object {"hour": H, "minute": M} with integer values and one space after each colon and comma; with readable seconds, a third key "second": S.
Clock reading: {"hour": 8, "minute": 7}
